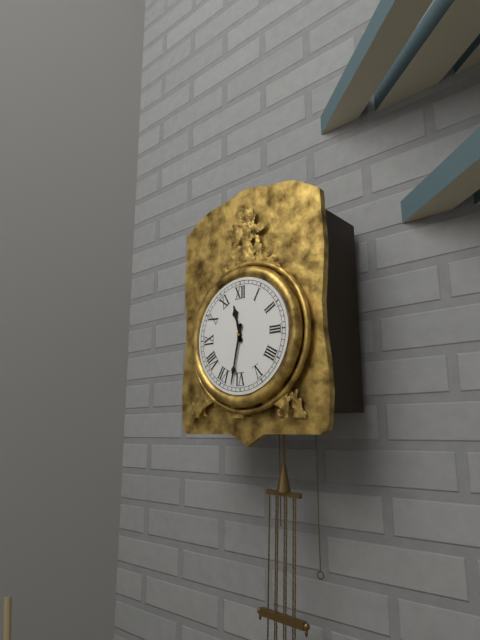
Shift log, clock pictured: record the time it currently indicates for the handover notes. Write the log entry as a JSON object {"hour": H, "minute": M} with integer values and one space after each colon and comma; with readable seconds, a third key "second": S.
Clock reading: {"hour": 11, "minute": 32}
